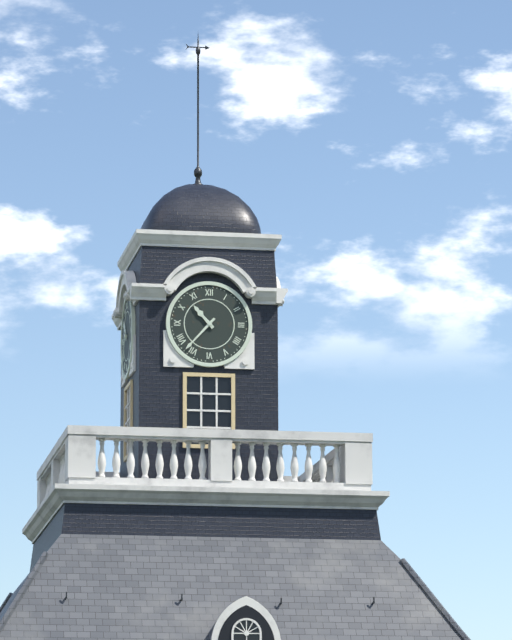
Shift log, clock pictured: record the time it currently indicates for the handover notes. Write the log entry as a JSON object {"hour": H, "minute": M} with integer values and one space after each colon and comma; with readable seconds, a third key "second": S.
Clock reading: {"hour": 10, "minute": 37}
